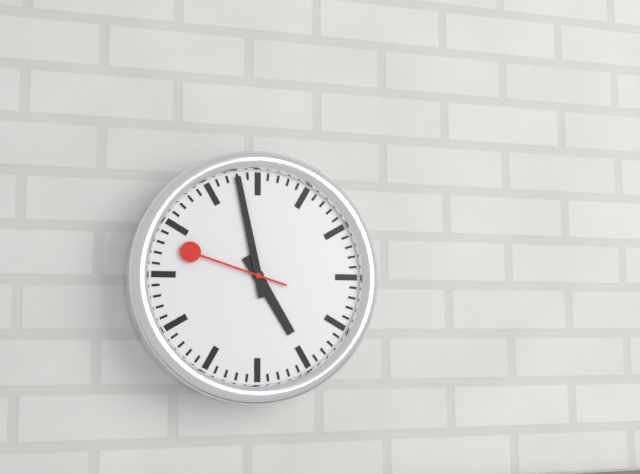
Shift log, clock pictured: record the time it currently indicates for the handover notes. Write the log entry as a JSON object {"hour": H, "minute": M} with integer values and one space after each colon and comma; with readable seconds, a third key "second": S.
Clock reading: {"hour": 4, "minute": 58, "second": 48}
